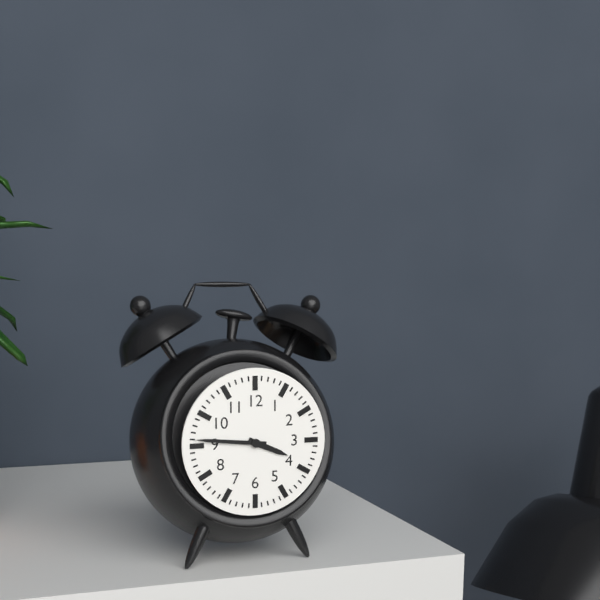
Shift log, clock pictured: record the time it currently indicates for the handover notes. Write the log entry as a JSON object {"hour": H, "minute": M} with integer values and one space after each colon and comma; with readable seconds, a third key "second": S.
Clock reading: {"hour": 3, "minute": 46}
